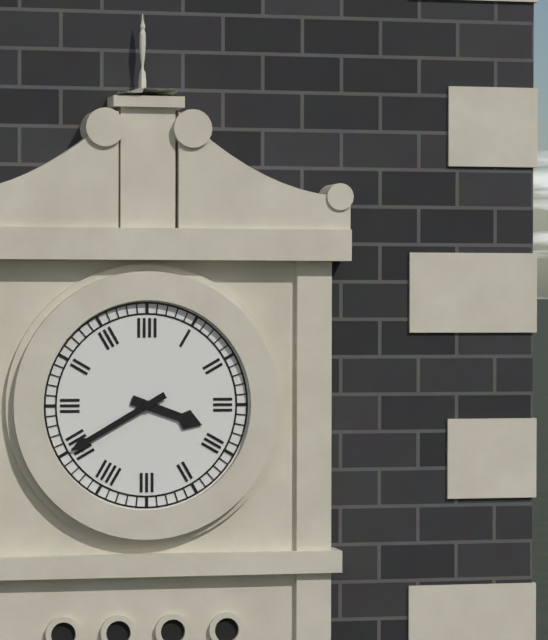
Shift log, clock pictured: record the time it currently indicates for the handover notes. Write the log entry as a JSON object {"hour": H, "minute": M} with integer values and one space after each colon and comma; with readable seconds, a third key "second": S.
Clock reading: {"hour": 3, "minute": 40}
